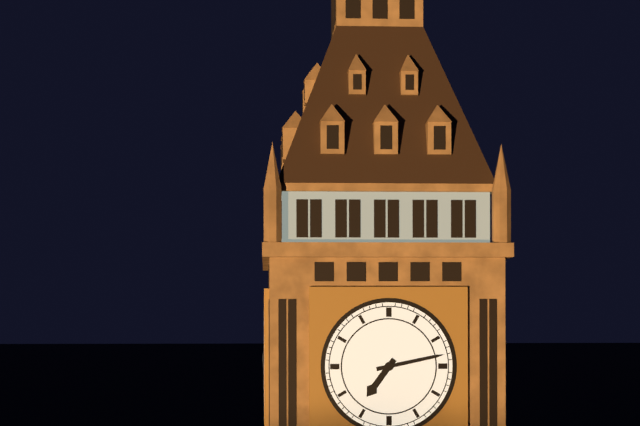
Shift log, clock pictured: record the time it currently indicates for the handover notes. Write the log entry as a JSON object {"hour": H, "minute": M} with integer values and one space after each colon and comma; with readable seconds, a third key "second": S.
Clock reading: {"hour": 7, "minute": 13}
